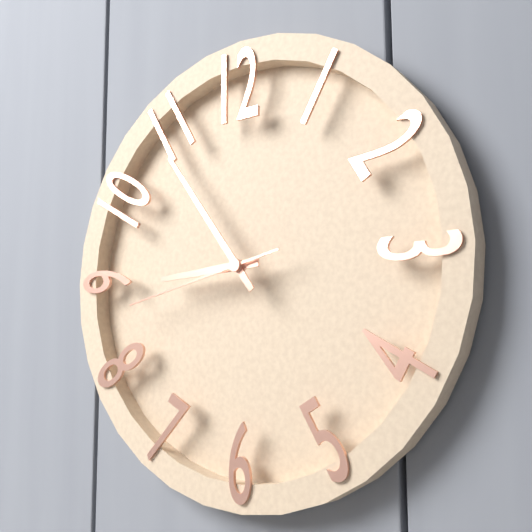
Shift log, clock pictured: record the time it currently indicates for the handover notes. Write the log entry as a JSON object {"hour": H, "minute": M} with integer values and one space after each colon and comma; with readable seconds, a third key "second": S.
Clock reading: {"hour": 8, "minute": 54, "second": 43}
